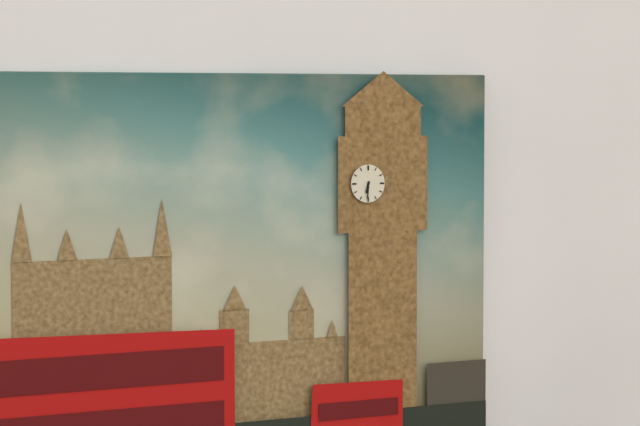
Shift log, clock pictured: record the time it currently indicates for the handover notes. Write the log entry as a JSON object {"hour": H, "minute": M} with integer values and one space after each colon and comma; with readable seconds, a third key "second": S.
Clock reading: {"hour": 6, "minute": 31}
